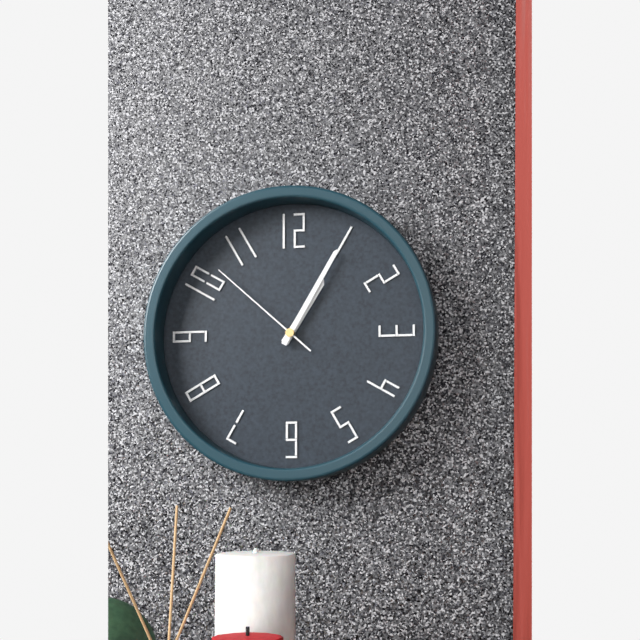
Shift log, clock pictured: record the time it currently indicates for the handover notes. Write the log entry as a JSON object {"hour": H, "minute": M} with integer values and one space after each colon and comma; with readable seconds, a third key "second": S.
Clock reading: {"hour": 1, "minute": 5, "second": 52}
